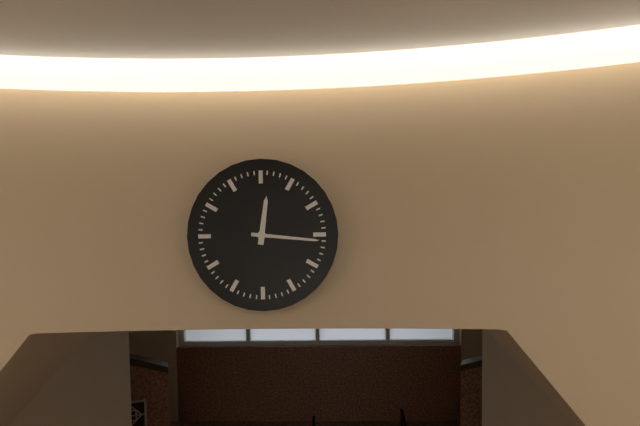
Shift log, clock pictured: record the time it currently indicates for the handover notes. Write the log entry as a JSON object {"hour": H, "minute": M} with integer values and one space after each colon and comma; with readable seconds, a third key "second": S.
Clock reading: {"hour": 12, "minute": 16}
